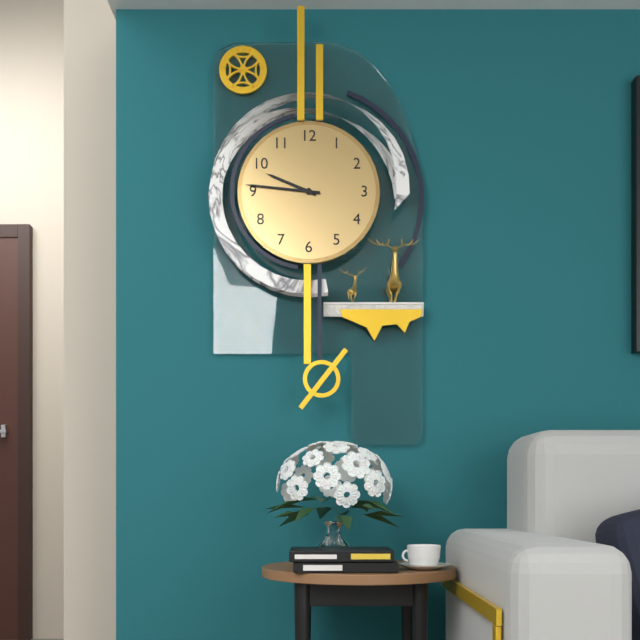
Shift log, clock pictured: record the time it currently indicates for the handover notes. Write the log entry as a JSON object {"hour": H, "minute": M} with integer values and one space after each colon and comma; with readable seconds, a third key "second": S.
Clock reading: {"hour": 9, "minute": 46}
